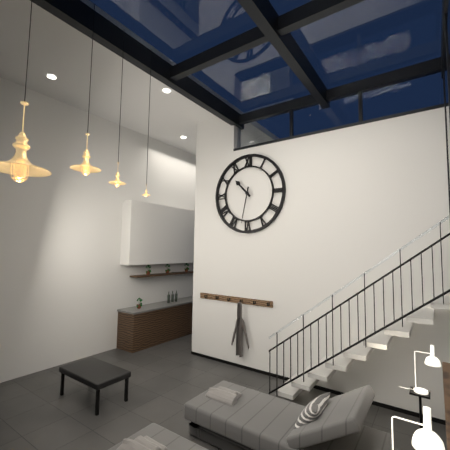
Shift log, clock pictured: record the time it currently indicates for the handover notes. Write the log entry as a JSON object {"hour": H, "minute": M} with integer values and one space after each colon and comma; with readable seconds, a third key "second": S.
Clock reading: {"hour": 10, "minute": 32}
